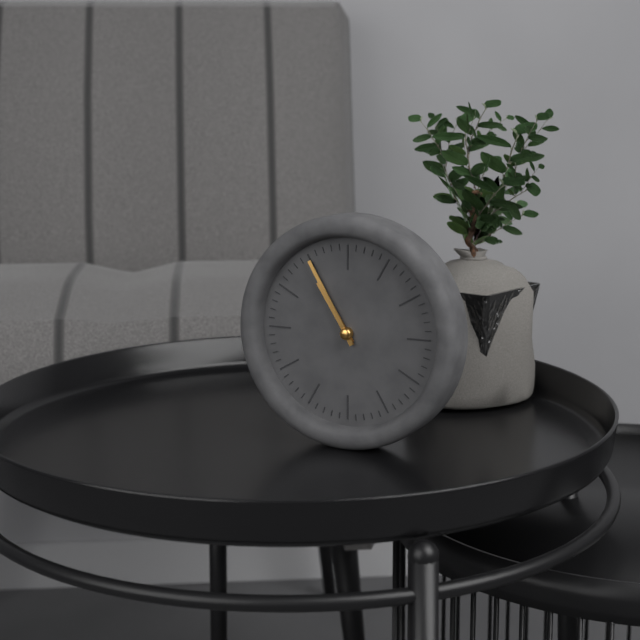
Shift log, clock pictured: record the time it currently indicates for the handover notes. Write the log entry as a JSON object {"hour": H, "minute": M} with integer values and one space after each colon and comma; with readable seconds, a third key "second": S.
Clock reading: {"hour": 10, "minute": 55}
